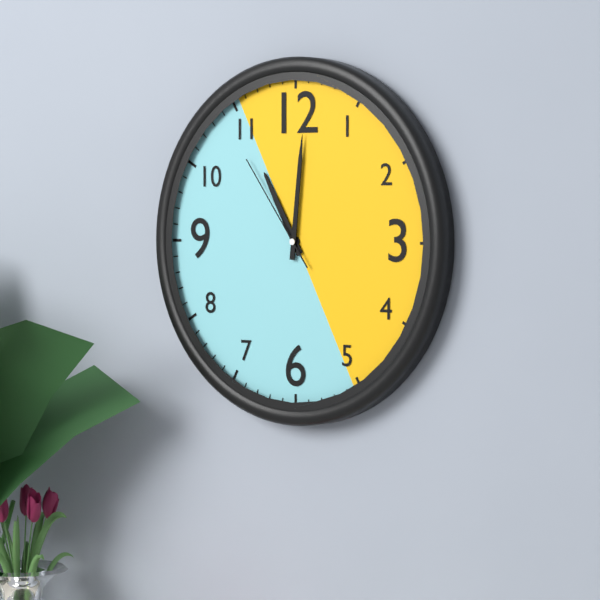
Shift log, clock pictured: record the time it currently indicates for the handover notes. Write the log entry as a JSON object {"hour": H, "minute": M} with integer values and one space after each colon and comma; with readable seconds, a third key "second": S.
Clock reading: {"hour": 11, "minute": 1, "second": 54}
